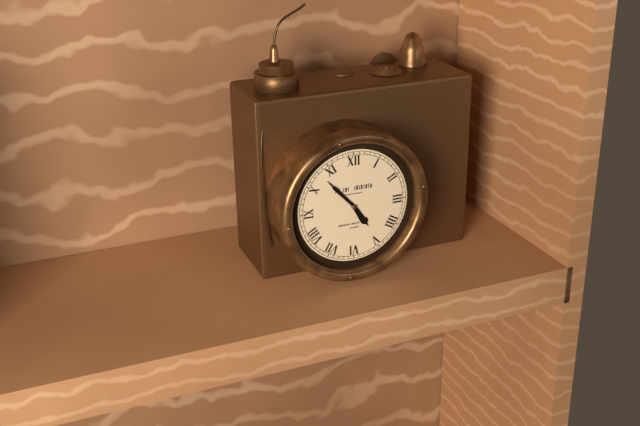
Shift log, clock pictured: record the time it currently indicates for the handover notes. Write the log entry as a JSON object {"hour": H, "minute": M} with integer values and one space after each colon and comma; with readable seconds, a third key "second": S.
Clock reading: {"hour": 4, "minute": 53}
